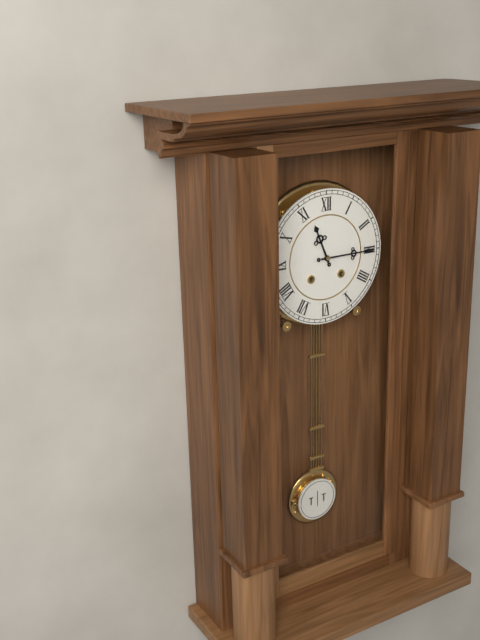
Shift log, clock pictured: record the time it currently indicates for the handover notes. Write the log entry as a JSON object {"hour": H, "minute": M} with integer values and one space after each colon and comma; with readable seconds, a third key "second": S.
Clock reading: {"hour": 11, "minute": 15}
